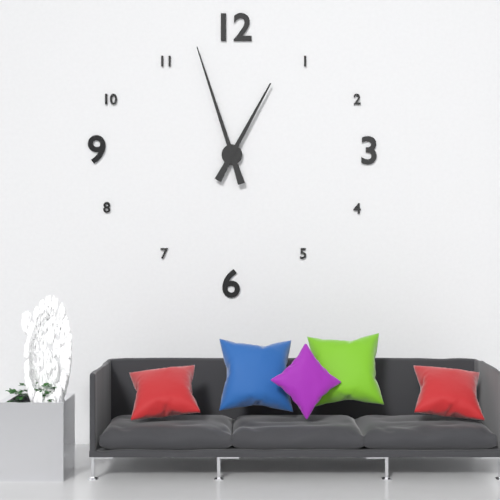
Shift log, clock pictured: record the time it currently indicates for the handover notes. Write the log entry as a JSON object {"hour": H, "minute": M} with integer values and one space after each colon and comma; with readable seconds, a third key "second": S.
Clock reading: {"hour": 12, "minute": 57}
